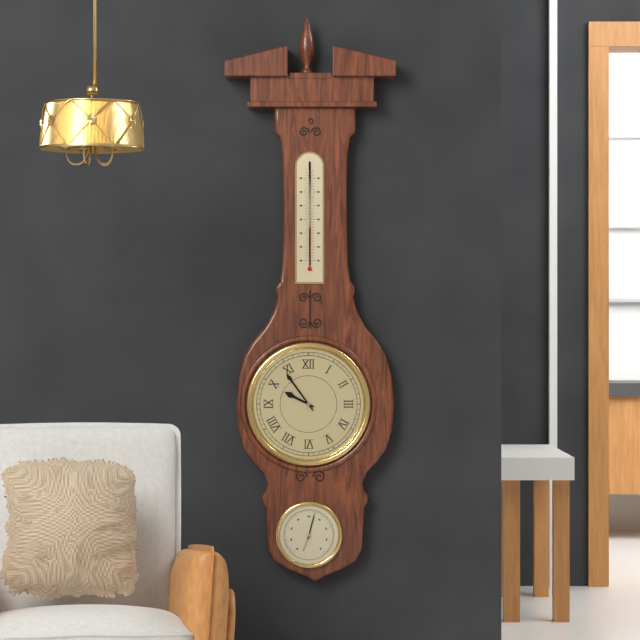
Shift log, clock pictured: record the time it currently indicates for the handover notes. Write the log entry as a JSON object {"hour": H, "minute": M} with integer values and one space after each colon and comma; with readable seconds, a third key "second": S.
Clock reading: {"hour": 9, "minute": 54}
